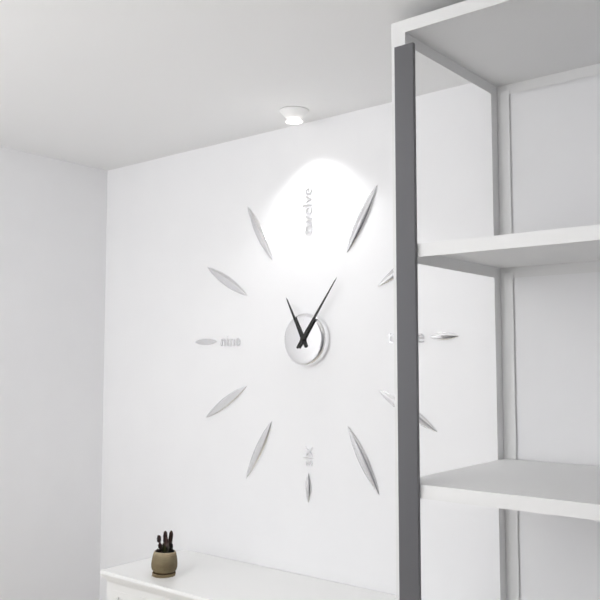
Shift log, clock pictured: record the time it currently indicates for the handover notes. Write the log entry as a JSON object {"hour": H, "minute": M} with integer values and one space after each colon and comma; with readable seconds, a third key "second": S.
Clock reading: {"hour": 11, "minute": 6}
